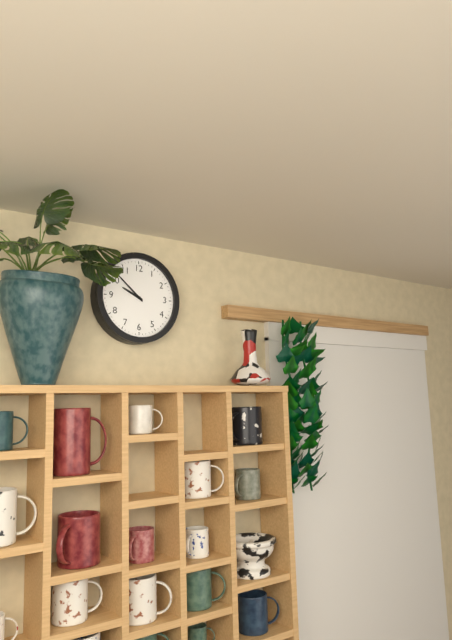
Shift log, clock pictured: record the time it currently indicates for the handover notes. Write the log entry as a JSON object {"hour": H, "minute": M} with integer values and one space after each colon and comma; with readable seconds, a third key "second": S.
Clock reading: {"hour": 9, "minute": 52}
